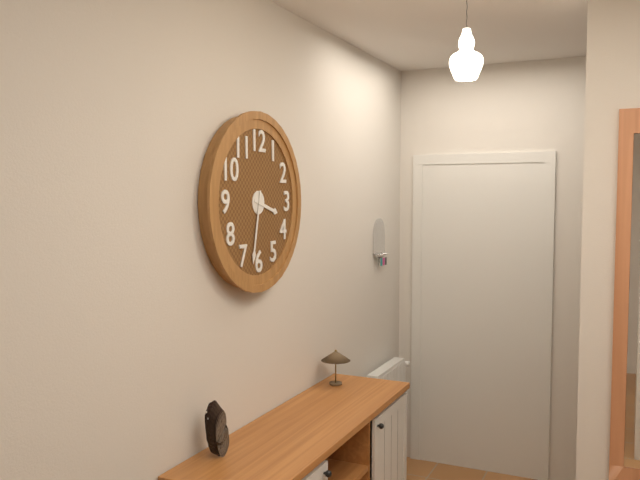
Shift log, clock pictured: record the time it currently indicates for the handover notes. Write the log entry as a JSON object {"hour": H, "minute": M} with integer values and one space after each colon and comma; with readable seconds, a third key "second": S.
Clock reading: {"hour": 3, "minute": 32}
